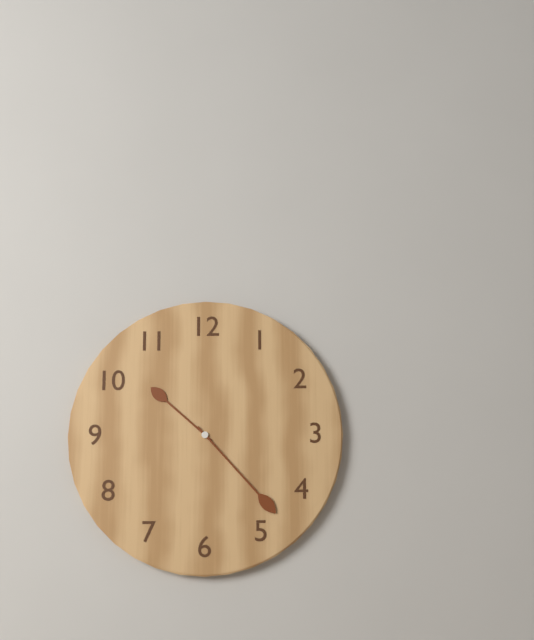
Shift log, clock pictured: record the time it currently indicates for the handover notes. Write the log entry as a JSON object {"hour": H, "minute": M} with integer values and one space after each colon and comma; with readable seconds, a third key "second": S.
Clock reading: {"hour": 10, "minute": 23}
